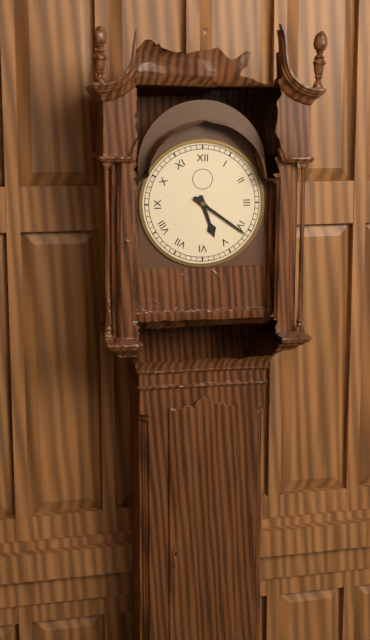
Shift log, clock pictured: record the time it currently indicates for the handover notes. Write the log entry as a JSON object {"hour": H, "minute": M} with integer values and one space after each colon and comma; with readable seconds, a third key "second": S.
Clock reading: {"hour": 5, "minute": 21}
